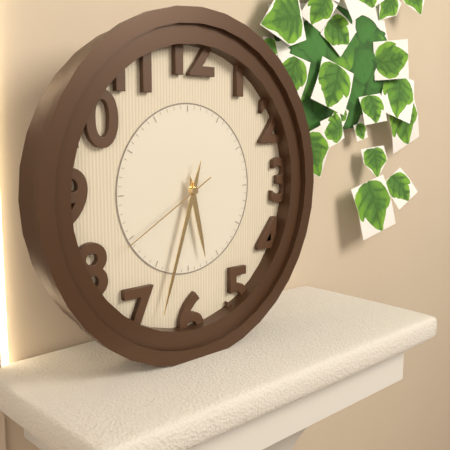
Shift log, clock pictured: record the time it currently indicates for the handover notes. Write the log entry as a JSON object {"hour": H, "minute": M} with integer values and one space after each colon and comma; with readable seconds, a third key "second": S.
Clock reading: {"hour": 5, "minute": 33, "second": 40}
